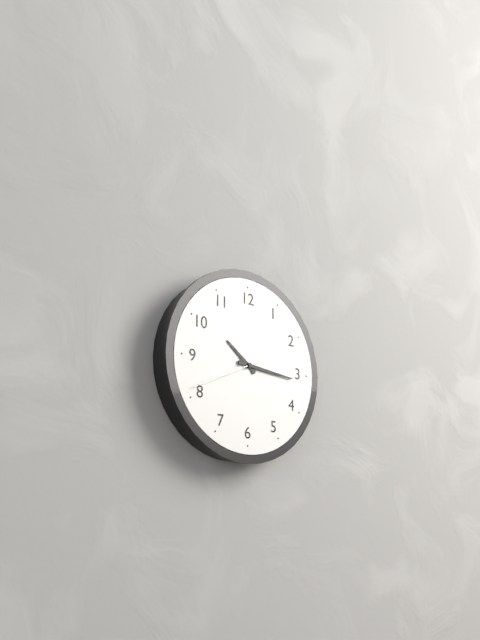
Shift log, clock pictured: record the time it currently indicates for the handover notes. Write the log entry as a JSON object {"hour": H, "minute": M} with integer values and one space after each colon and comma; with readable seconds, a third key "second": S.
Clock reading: {"hour": 10, "minute": 16, "second": 41}
